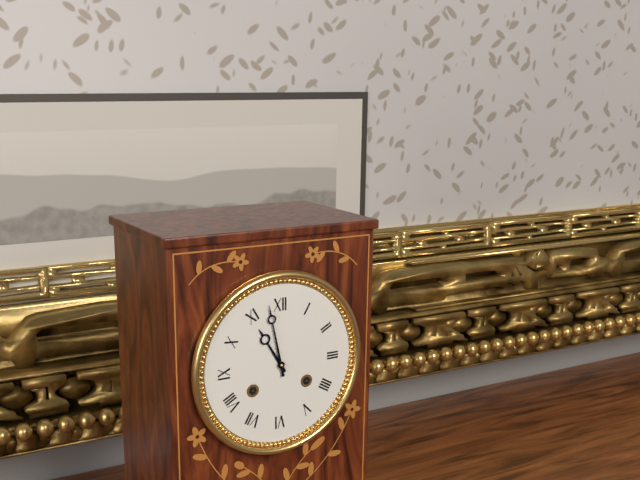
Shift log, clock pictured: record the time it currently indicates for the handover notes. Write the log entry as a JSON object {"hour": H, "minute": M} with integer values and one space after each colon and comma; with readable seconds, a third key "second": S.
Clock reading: {"hour": 10, "minute": 58}
